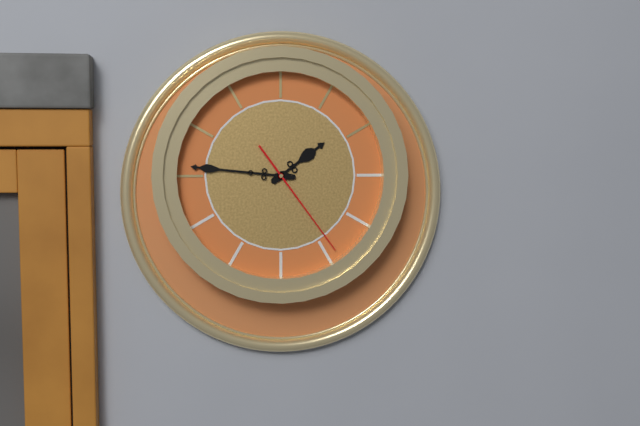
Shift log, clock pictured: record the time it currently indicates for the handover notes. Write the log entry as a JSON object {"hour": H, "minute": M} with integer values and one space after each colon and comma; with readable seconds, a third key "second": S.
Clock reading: {"hour": 1, "minute": 46, "second": 24}
